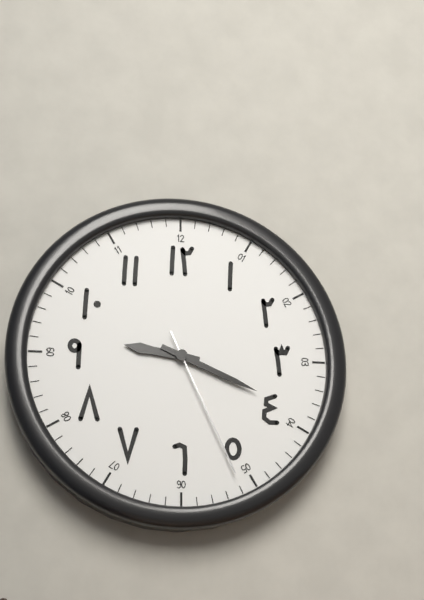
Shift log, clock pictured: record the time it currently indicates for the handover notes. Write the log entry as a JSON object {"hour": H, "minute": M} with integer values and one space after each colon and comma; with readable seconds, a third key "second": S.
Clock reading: {"hour": 9, "minute": 19, "second": 26}
